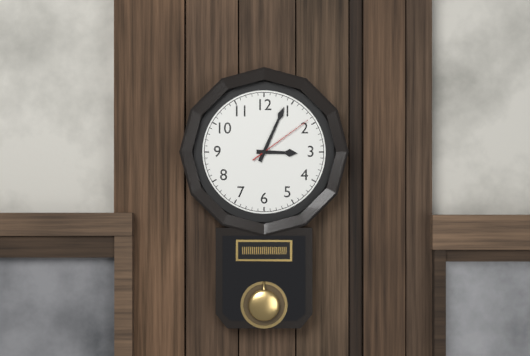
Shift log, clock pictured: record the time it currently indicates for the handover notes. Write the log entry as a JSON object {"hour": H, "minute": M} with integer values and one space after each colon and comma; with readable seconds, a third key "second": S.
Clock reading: {"hour": 3, "minute": 4, "second": 9}
